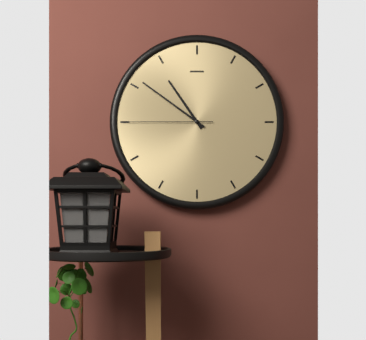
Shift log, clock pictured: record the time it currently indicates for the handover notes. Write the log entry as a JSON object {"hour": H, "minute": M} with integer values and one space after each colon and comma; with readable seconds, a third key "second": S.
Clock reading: {"hour": 10, "minute": 51, "second": 45}
